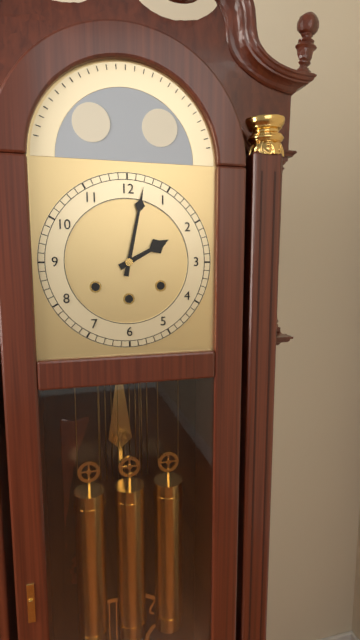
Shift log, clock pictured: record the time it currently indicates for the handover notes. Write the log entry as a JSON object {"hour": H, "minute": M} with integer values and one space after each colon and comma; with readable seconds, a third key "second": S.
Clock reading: {"hour": 2, "minute": 2}
